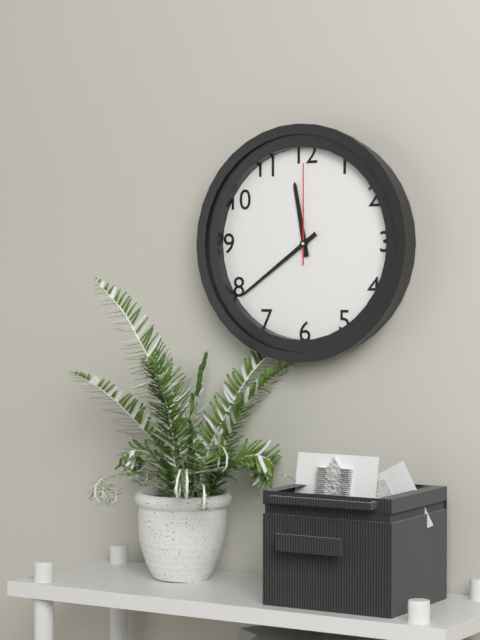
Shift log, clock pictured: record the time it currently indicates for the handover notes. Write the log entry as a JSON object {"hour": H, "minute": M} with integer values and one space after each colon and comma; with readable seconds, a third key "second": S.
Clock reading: {"hour": 11, "minute": 39, "second": 0}
